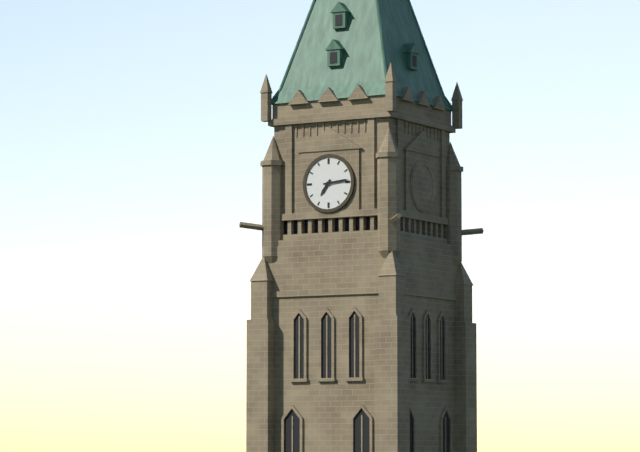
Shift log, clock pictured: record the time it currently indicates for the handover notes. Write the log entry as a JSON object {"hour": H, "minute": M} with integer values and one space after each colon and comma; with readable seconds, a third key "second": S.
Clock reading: {"hour": 7, "minute": 14}
